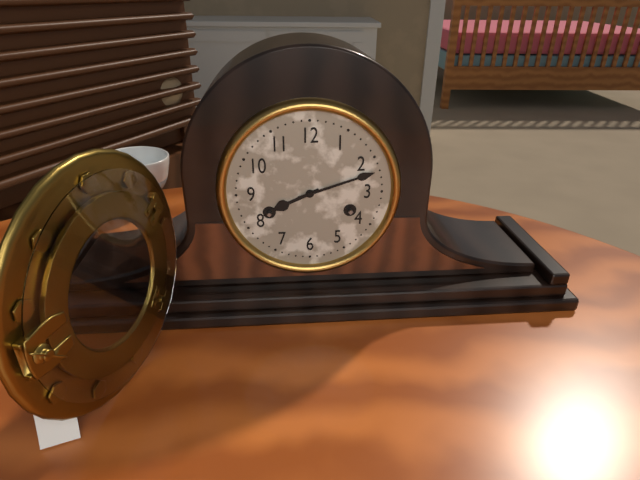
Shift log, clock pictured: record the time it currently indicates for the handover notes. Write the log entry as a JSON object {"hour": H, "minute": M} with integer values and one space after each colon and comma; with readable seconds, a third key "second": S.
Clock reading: {"hour": 8, "minute": 12}
